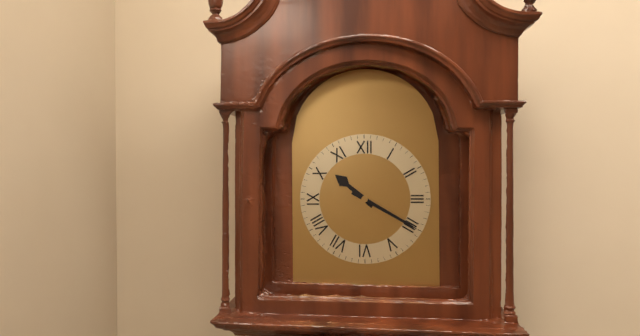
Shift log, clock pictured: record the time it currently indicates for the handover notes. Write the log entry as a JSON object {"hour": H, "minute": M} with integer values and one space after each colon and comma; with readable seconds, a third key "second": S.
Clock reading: {"hour": 10, "minute": 20}
